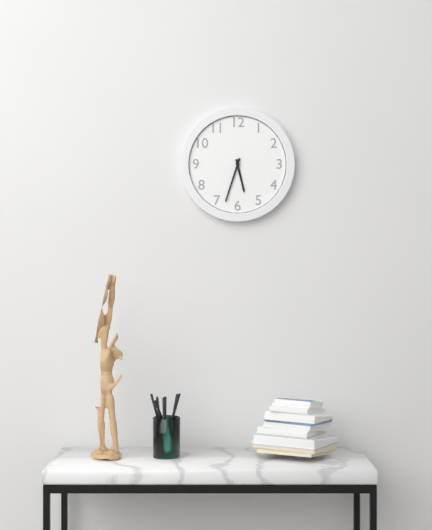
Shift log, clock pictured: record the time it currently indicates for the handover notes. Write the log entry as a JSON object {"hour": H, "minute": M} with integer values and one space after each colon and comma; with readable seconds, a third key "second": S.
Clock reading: {"hour": 5, "minute": 33}
